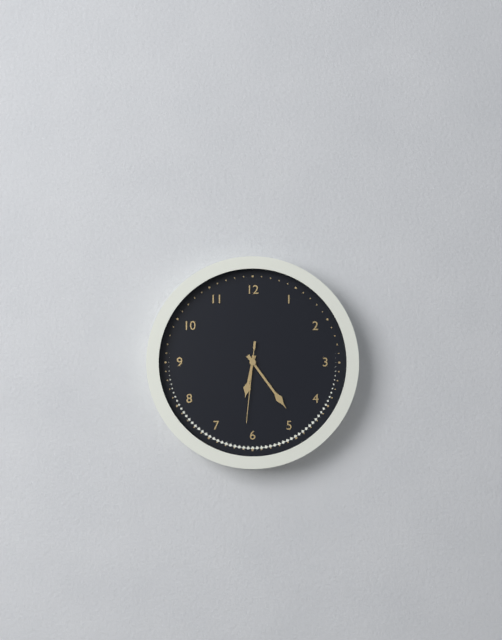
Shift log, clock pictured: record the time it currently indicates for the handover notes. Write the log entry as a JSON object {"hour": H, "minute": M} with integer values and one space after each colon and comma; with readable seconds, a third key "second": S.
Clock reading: {"hour": 6, "minute": 24, "second": 31}
